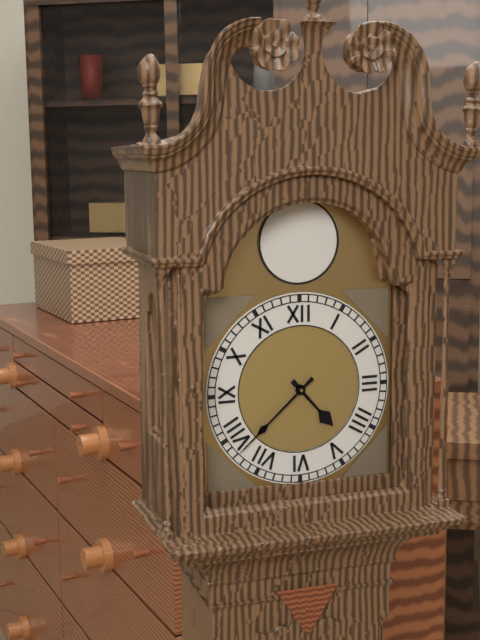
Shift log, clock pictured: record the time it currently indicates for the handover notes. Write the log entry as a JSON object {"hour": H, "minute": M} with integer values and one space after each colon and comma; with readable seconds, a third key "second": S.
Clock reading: {"hour": 4, "minute": 38}
